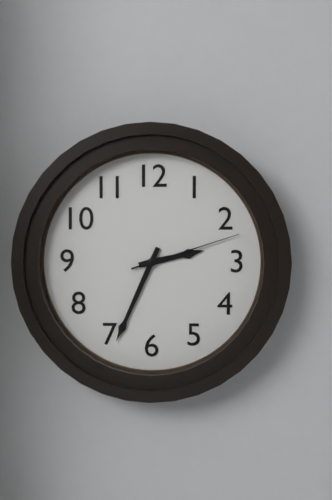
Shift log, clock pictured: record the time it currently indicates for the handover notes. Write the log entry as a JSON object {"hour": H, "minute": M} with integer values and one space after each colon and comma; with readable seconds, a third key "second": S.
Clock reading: {"hour": 2, "minute": 34, "second": 12}
